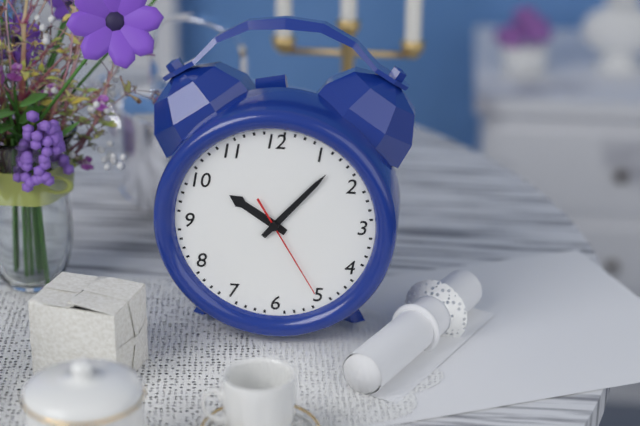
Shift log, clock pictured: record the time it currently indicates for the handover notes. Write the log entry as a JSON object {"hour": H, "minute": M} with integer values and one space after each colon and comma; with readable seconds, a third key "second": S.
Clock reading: {"hour": 10, "minute": 7, "second": 25}
